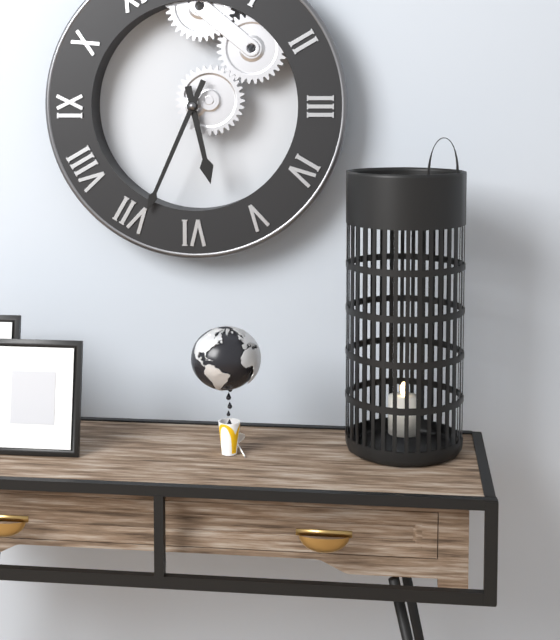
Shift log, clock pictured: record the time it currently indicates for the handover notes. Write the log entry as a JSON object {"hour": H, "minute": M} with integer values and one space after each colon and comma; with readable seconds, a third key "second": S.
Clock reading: {"hour": 5, "minute": 34}
